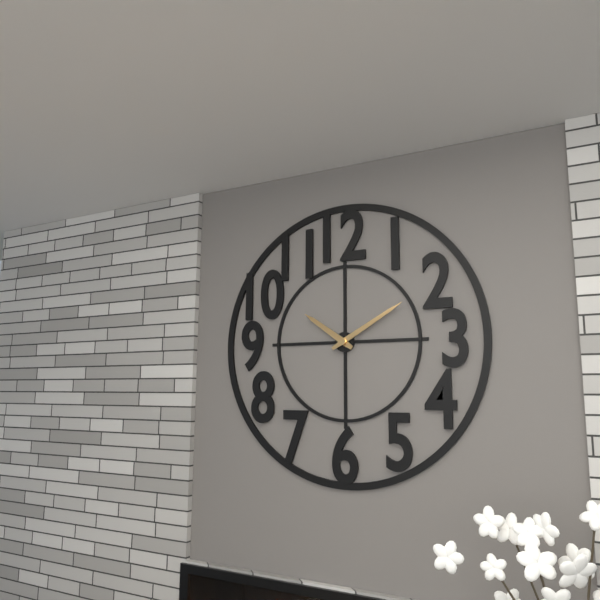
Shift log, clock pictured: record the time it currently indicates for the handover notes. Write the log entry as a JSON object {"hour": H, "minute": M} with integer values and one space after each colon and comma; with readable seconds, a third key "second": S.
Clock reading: {"hour": 10, "minute": 10}
